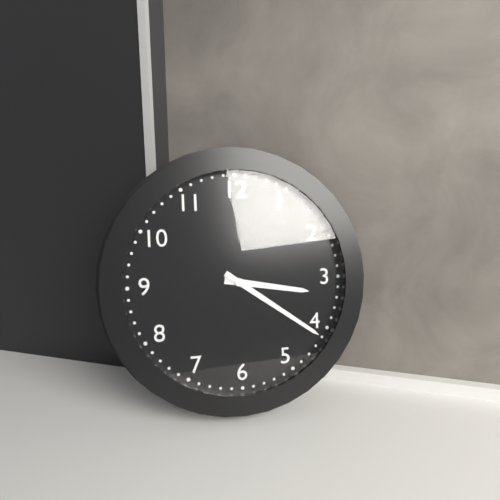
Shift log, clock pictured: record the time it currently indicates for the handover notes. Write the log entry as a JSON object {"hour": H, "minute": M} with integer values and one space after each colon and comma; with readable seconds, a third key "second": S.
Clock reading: {"hour": 3, "minute": 21}
